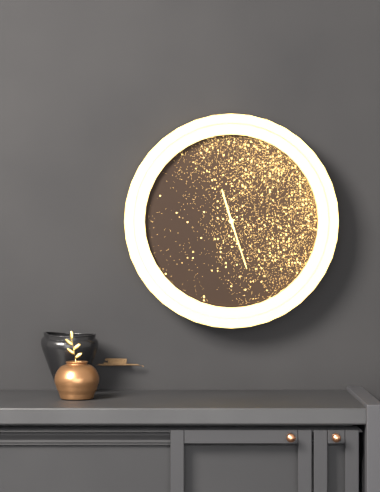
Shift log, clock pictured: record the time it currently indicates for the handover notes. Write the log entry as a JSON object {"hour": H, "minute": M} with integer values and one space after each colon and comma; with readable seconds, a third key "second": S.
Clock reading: {"hour": 11, "minute": 27}
